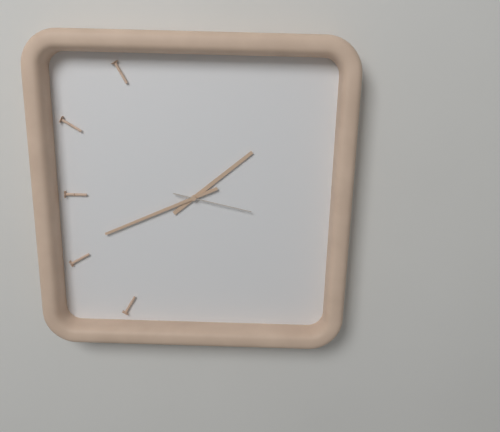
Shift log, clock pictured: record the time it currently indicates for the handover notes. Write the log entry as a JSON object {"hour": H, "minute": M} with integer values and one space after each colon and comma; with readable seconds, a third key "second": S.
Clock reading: {"hour": 1, "minute": 41, "second": 17}
